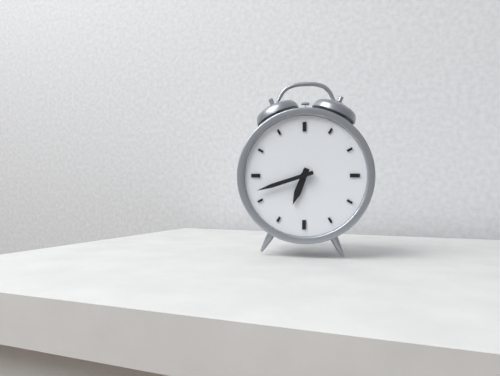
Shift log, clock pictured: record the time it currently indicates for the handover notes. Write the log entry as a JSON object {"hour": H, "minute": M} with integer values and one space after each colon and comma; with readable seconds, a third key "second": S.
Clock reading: {"hour": 6, "minute": 42}
